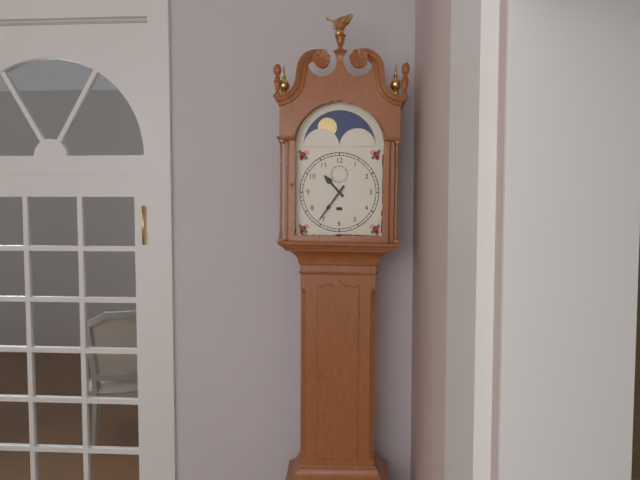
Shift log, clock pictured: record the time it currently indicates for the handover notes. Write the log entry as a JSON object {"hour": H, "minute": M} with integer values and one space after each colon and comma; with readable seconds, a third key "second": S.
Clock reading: {"hour": 10, "minute": 36}
